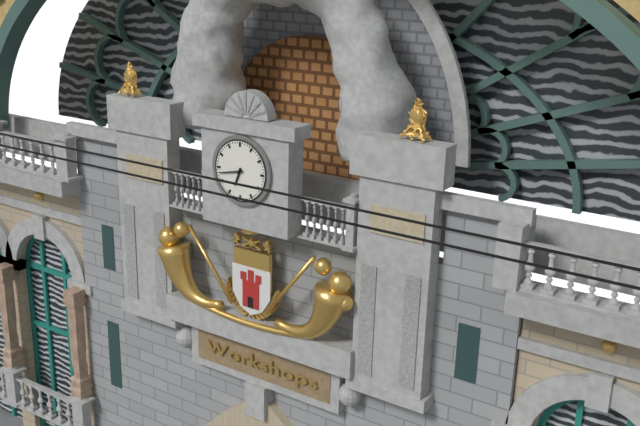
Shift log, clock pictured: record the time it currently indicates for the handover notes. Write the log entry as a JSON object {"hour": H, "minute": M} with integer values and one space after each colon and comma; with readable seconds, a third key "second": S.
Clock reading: {"hour": 6, "minute": 43}
